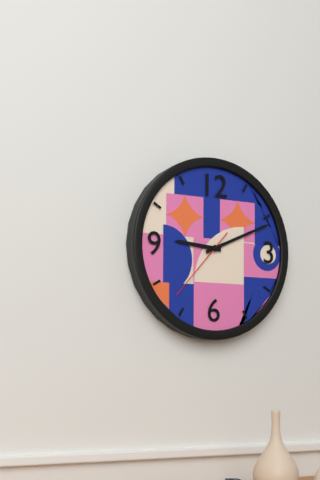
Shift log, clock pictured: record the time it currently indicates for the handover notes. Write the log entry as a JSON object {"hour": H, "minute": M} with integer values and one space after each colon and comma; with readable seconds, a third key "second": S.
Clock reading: {"hour": 9, "minute": 11, "second": 37}
